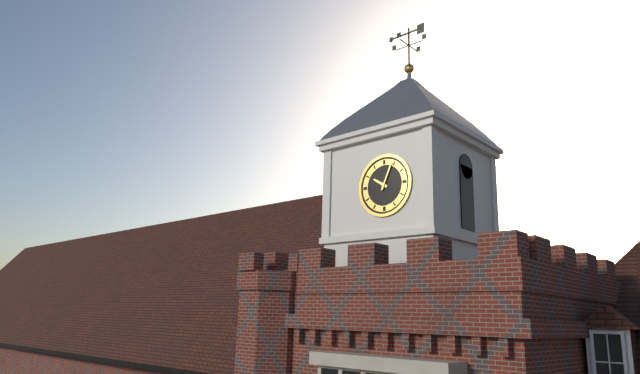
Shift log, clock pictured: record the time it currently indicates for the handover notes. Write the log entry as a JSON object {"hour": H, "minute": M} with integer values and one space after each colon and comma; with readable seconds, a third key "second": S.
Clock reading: {"hour": 10, "minute": 4}
